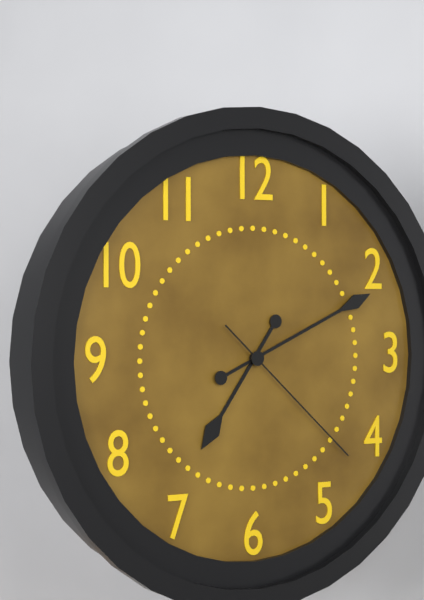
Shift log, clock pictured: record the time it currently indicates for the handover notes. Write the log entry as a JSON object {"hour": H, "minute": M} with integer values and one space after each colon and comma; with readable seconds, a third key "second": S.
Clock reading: {"hour": 7, "minute": 11, "second": 22}
